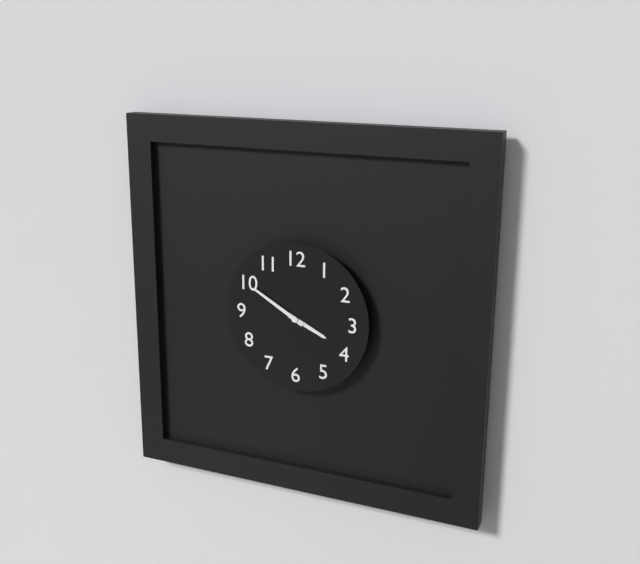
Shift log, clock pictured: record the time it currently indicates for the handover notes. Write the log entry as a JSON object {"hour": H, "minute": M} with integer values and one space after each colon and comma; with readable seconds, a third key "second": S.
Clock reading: {"hour": 3, "minute": 50}
